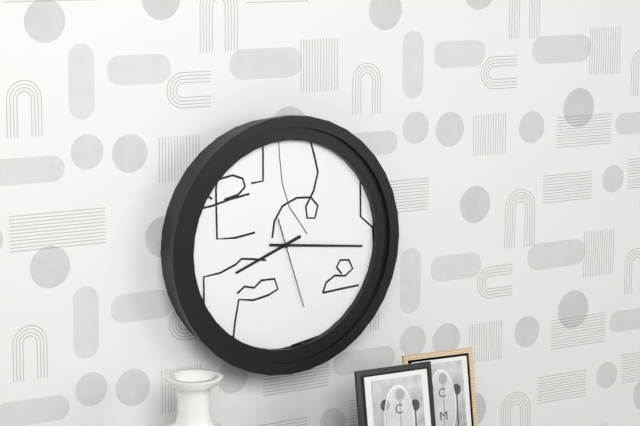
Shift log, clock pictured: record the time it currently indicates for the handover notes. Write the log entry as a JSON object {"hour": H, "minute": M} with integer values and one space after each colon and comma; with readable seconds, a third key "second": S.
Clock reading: {"hour": 8, "minute": 16, "second": 27}
